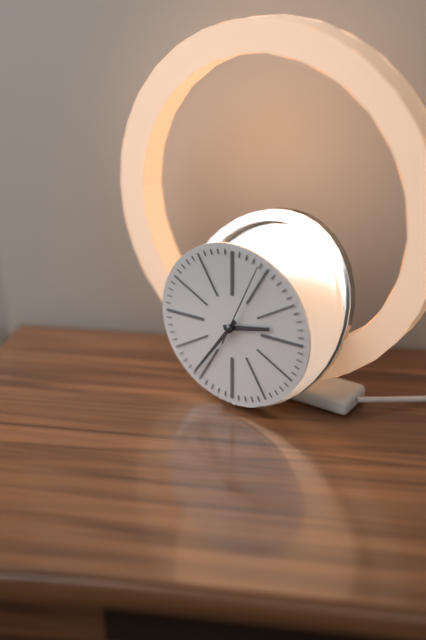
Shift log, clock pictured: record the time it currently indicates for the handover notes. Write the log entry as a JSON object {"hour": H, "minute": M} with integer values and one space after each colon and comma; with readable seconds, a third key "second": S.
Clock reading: {"hour": 2, "minute": 36, "second": 4}
